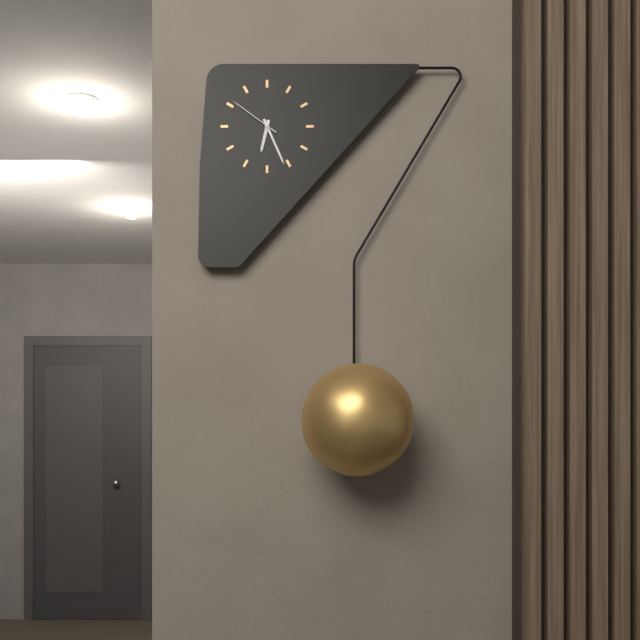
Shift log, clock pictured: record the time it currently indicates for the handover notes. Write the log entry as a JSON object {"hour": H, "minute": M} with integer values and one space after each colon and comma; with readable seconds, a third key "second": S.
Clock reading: {"hour": 6, "minute": 26, "second": 51}
